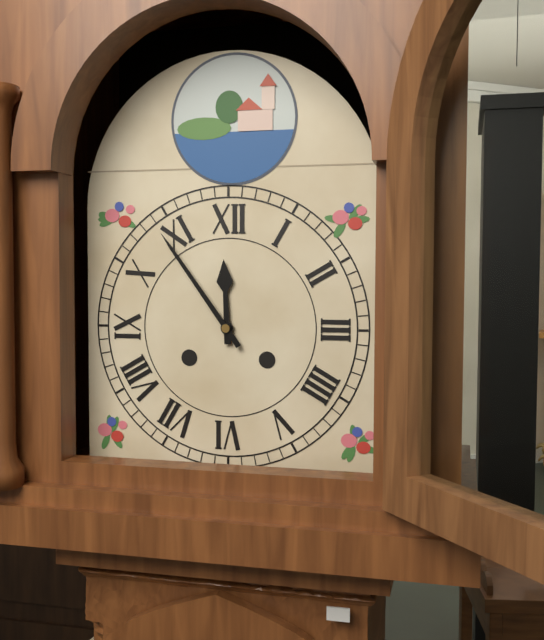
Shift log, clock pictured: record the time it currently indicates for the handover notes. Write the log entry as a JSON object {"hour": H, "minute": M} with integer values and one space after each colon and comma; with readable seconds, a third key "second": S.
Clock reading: {"hour": 11, "minute": 54}
